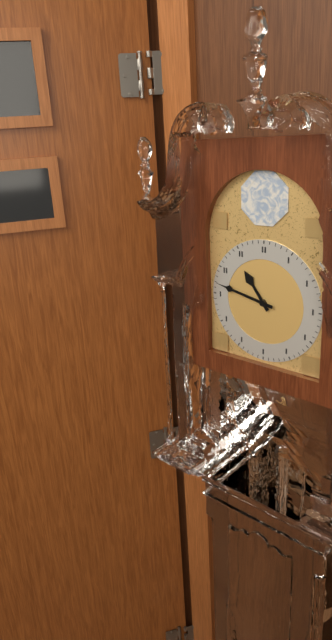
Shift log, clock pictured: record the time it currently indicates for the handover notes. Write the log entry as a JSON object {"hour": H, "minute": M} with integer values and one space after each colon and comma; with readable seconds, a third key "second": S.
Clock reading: {"hour": 10, "minute": 47}
